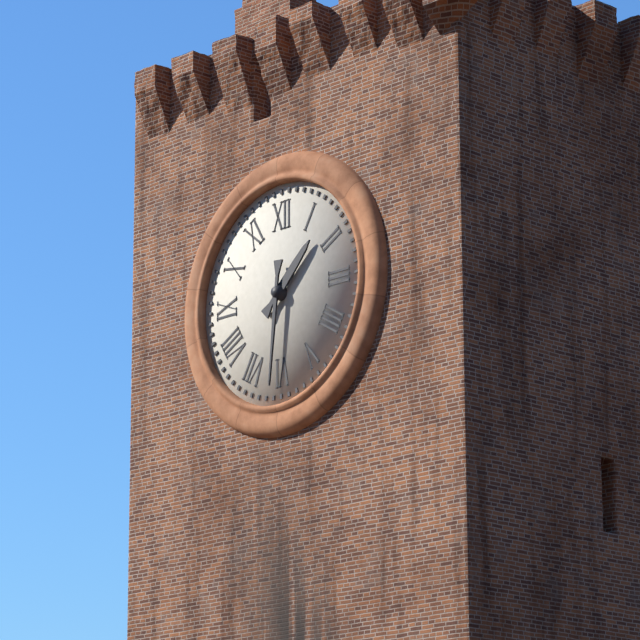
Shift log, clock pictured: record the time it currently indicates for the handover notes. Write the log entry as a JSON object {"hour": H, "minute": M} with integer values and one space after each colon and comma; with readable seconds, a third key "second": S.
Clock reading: {"hour": 1, "minute": 31}
